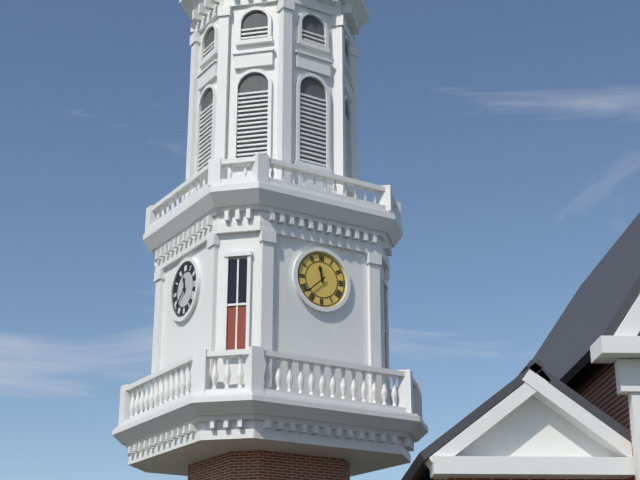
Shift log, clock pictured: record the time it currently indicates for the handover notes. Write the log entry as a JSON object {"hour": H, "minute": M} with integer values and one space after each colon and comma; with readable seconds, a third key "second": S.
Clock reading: {"hour": 11, "minute": 38}
